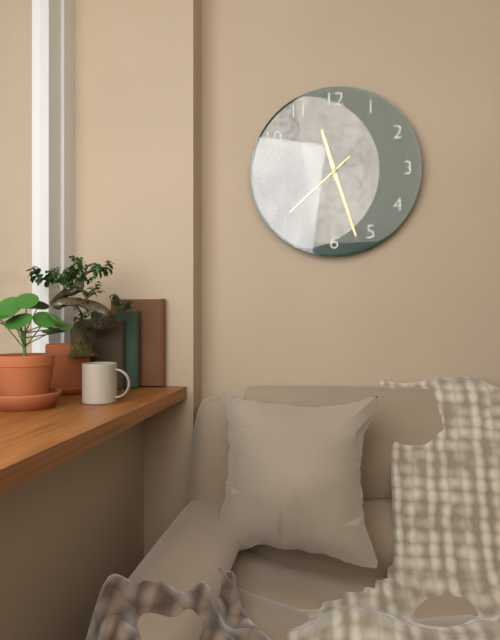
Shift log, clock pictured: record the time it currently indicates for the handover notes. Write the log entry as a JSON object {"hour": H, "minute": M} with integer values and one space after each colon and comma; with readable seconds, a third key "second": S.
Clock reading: {"hour": 11, "minute": 27, "second": 38}
